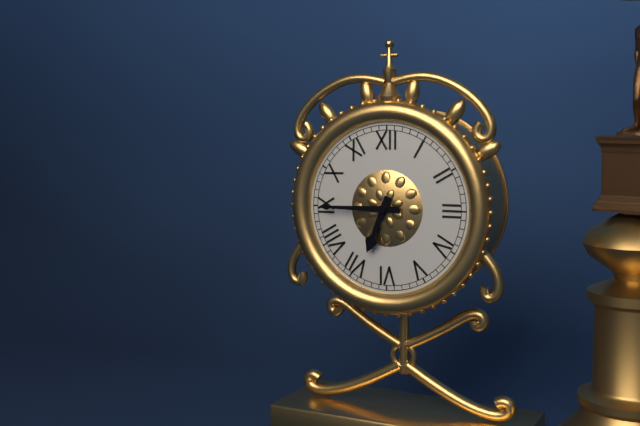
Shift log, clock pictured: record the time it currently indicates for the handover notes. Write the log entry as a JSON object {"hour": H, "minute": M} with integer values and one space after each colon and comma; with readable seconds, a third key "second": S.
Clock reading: {"hour": 6, "minute": 45}
